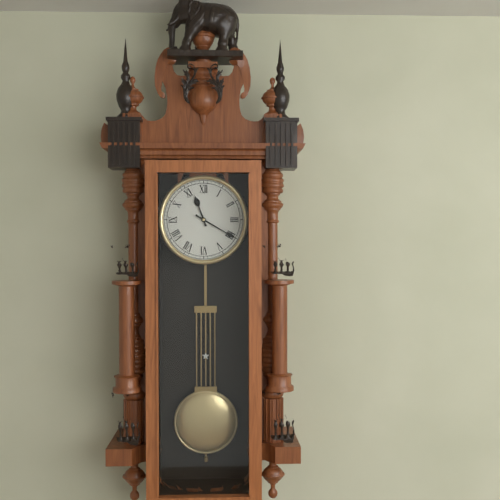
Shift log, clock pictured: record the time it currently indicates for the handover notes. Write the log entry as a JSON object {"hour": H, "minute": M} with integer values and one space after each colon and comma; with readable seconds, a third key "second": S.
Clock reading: {"hour": 11, "minute": 20}
